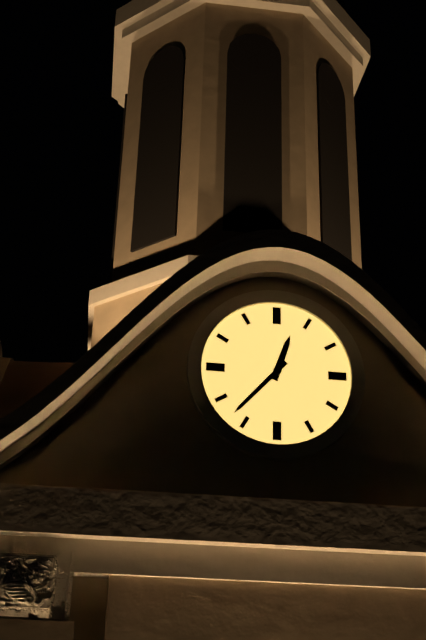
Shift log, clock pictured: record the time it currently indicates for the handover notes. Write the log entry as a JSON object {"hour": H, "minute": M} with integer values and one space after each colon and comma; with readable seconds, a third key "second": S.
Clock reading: {"hour": 12, "minute": 37}
